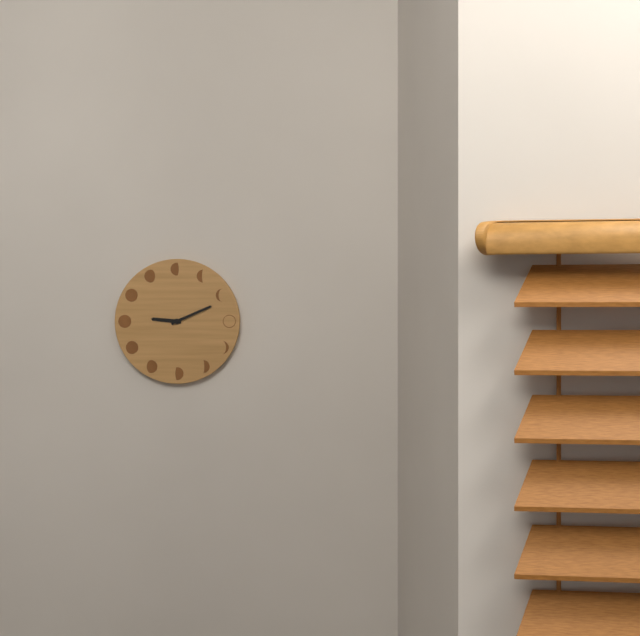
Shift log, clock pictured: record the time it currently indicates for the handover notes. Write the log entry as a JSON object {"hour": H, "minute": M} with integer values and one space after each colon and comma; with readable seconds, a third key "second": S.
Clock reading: {"hour": 9, "minute": 11}
